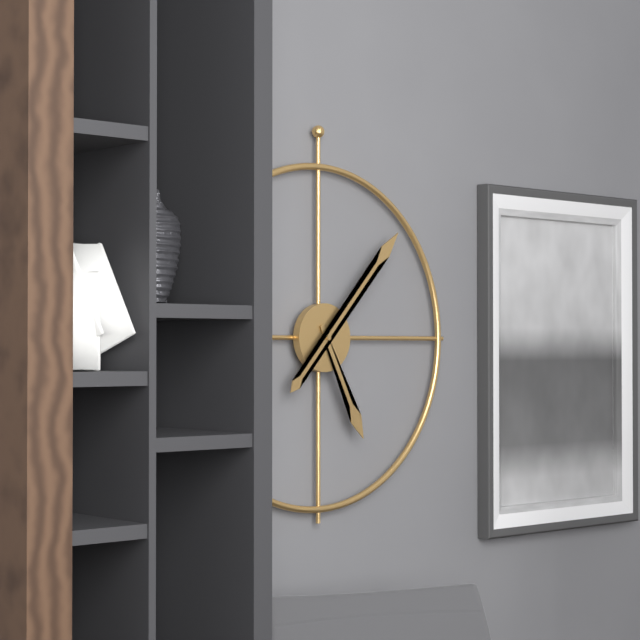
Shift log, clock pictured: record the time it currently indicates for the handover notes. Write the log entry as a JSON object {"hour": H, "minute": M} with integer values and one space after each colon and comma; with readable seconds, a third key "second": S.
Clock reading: {"hour": 5, "minute": 7}
